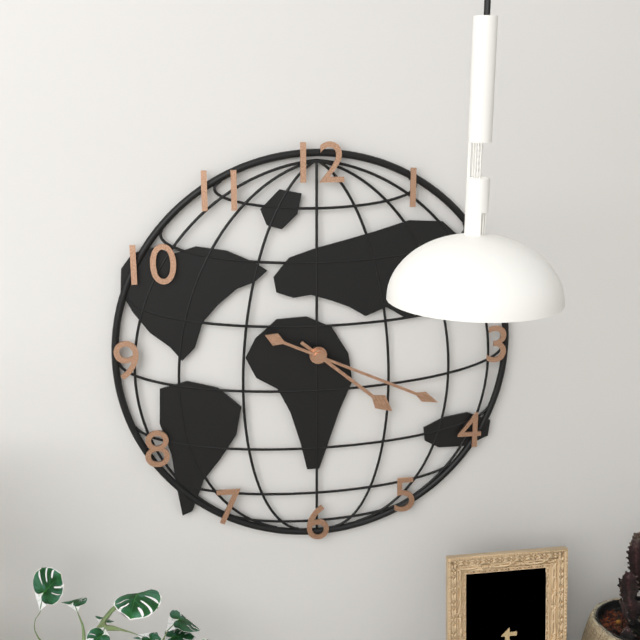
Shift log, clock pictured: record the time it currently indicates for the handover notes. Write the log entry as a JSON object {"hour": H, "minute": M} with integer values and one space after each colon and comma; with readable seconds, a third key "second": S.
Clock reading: {"hour": 4, "minute": 19}
